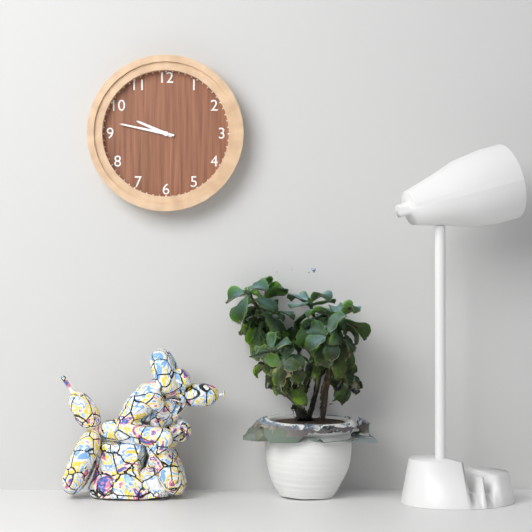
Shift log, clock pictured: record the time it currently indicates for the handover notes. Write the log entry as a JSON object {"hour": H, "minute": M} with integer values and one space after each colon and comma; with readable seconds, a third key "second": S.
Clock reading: {"hour": 9, "minute": 47}
